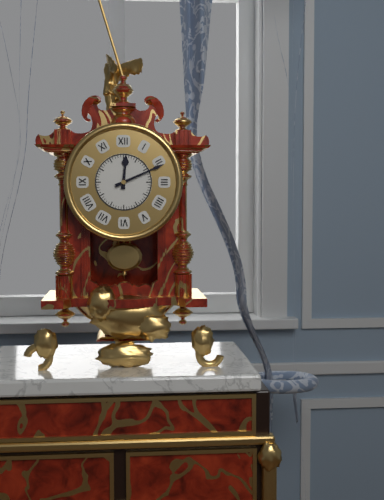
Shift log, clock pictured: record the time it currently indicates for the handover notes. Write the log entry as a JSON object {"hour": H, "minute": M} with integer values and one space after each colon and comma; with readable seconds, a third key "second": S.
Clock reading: {"hour": 12, "minute": 11}
